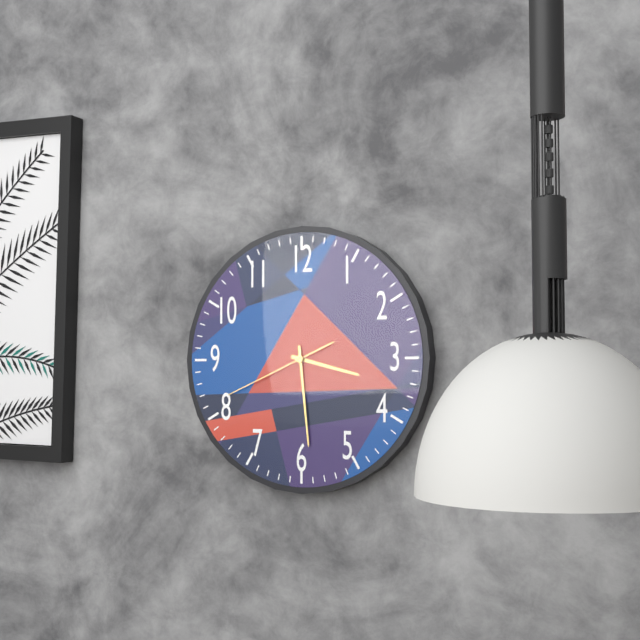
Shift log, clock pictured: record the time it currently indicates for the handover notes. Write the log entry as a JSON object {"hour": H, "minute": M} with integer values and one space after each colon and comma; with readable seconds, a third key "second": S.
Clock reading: {"hour": 3, "minute": 29, "second": 41}
